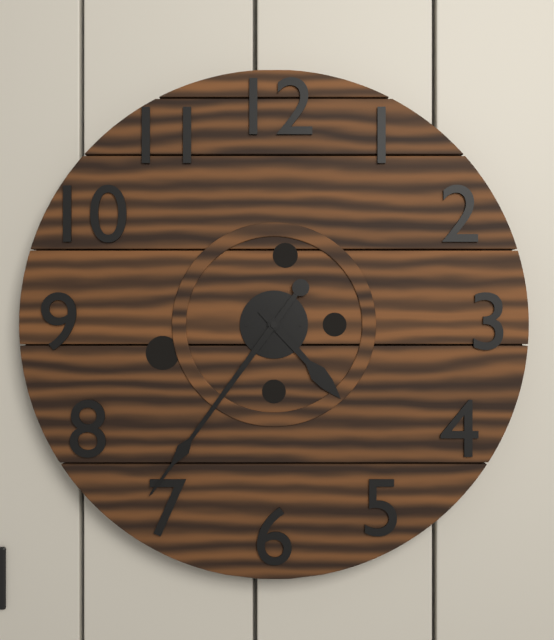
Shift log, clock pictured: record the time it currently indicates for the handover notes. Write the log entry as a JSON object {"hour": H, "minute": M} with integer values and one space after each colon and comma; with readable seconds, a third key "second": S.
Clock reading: {"hour": 4, "minute": 36}
